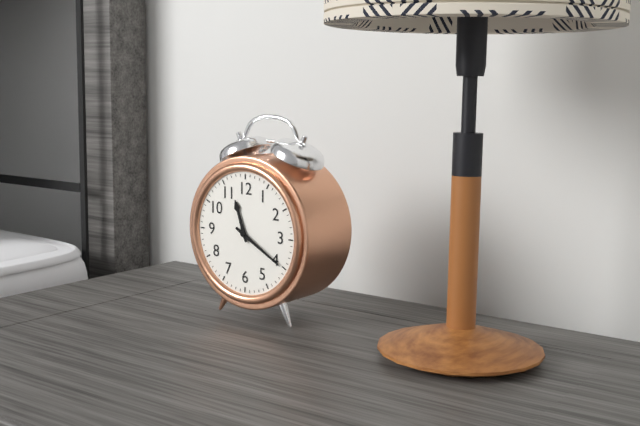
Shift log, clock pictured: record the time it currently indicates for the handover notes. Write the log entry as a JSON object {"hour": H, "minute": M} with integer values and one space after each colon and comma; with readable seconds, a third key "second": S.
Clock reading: {"hour": 11, "minute": 20}
